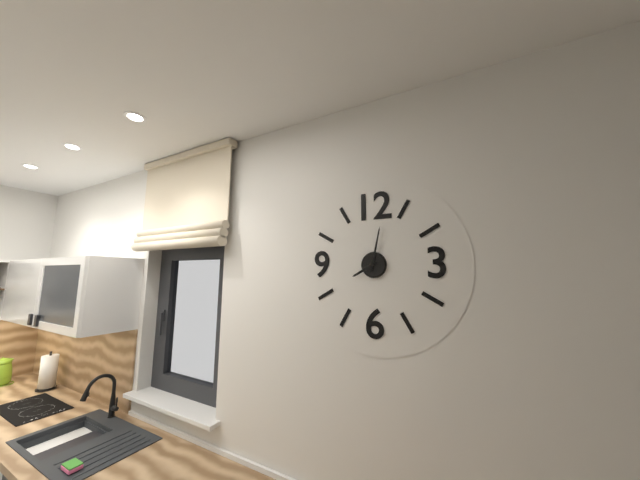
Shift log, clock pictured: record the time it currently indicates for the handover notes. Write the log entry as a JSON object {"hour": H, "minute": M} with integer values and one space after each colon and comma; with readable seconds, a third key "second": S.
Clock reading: {"hour": 8, "minute": 2}
